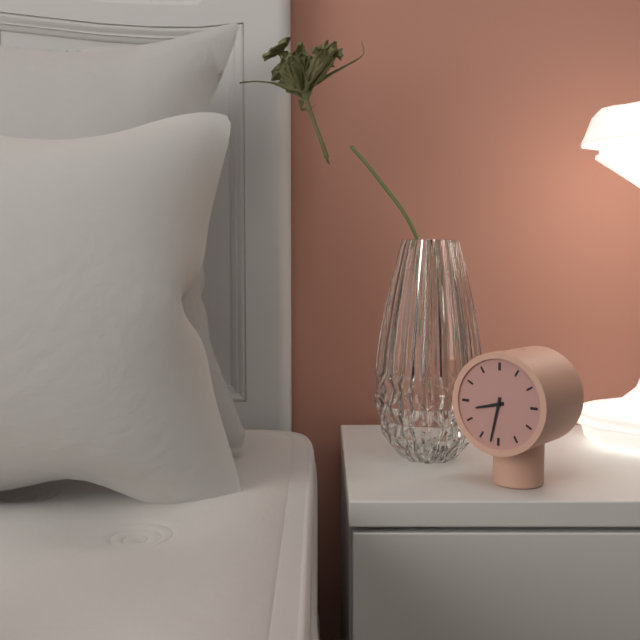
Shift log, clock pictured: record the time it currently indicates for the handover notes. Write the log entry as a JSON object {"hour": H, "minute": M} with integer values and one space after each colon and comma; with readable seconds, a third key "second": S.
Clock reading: {"hour": 8, "minute": 32}
